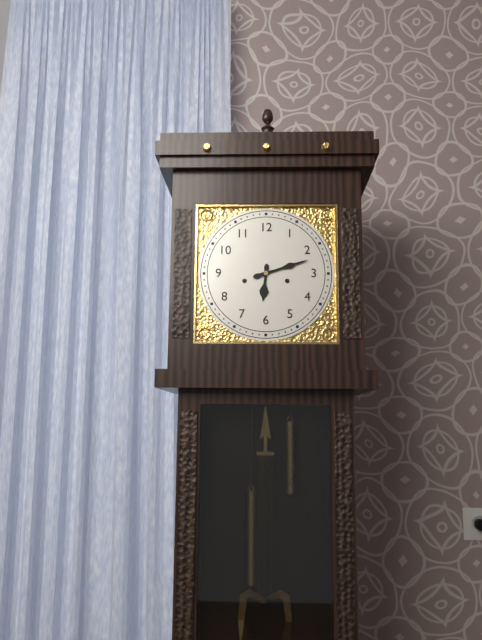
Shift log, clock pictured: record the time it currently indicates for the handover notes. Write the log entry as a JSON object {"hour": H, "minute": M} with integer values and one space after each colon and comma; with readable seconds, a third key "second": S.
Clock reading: {"hour": 6, "minute": 12}
